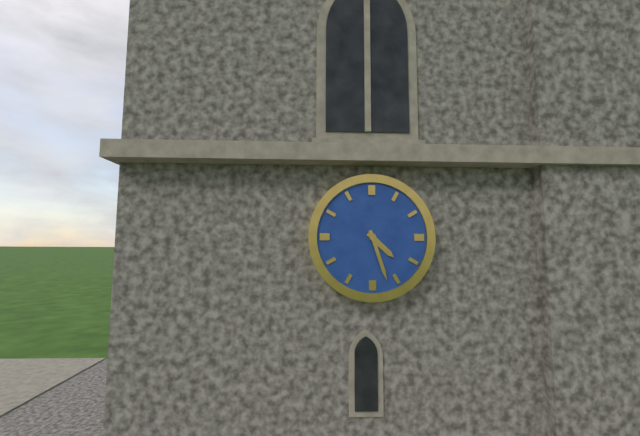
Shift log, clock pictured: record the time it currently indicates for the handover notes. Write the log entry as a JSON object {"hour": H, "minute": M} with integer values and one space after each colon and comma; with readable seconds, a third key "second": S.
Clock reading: {"hour": 4, "minute": 27}
